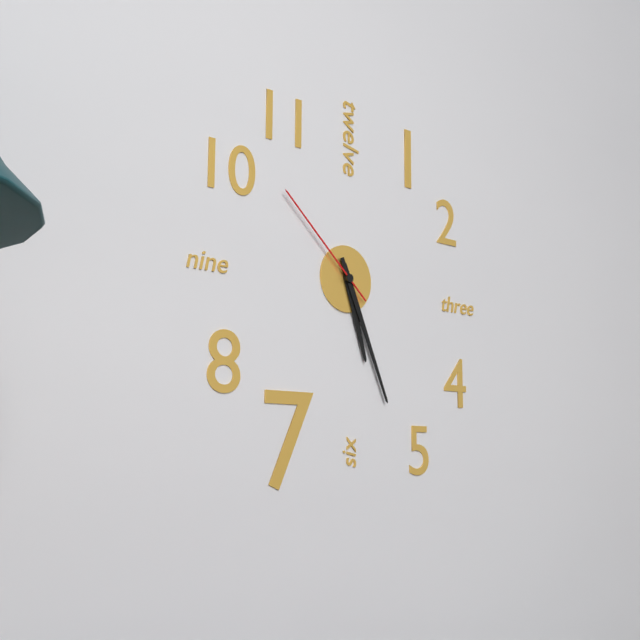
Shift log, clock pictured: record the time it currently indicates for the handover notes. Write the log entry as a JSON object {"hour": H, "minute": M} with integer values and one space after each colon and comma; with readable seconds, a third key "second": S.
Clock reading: {"hour": 5, "minute": 26, "second": 52}
